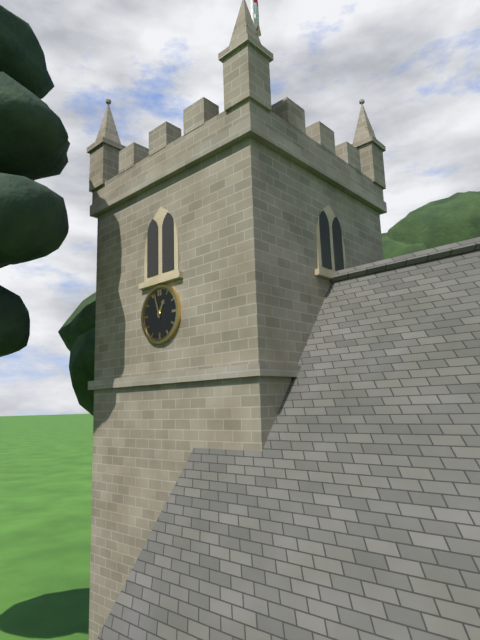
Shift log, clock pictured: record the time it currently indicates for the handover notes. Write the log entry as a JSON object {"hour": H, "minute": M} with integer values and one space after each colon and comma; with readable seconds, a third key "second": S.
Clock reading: {"hour": 12, "minute": 57}
